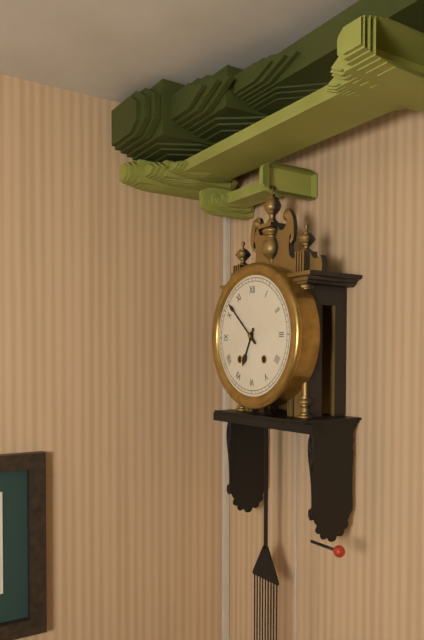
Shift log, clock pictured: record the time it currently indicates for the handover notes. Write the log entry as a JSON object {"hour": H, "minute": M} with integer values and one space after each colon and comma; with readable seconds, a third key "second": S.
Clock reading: {"hour": 6, "minute": 52}
